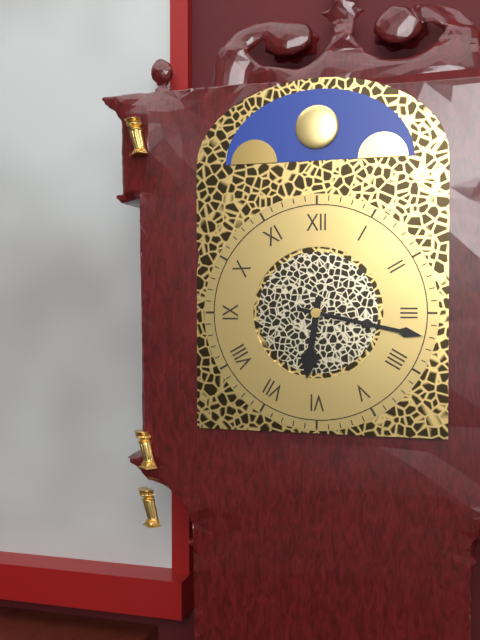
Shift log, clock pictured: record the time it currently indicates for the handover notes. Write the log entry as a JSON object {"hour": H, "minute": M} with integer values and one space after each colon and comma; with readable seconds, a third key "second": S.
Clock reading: {"hour": 6, "minute": 17}
